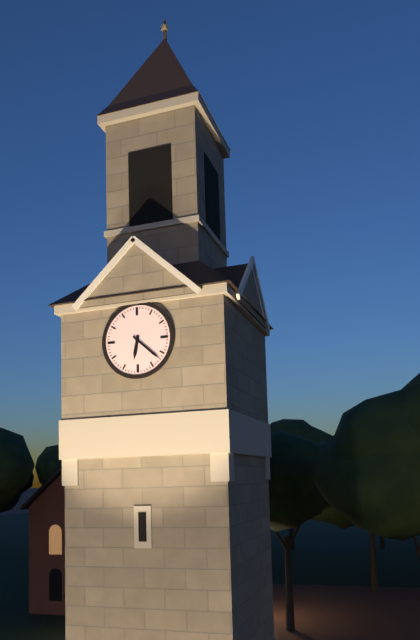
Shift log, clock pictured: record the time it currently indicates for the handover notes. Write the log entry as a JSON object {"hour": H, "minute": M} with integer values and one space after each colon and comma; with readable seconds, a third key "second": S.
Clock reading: {"hour": 6, "minute": 22}
